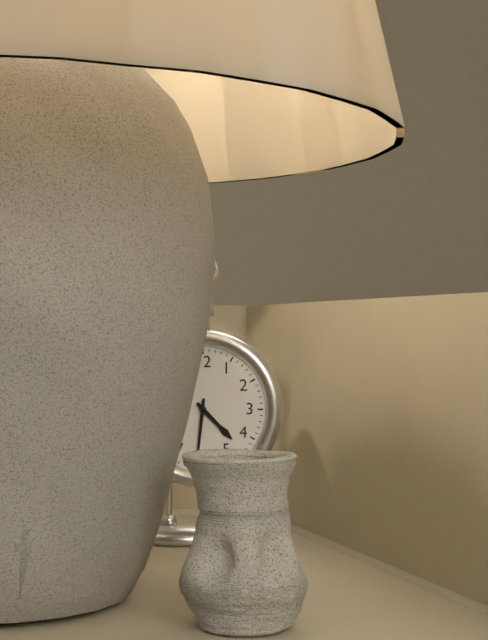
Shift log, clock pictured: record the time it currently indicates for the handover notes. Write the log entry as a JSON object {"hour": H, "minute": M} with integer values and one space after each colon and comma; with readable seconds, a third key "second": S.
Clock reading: {"hour": 4, "minute": 31}
